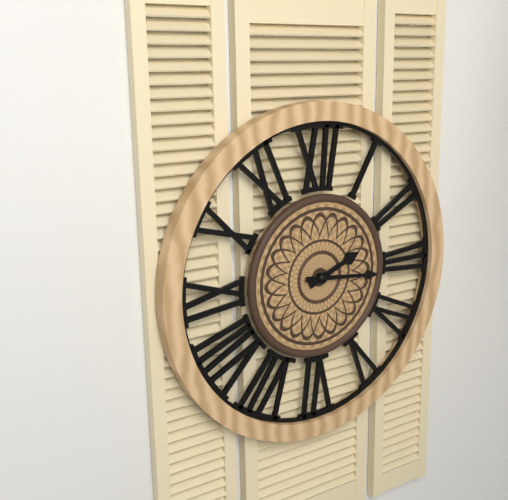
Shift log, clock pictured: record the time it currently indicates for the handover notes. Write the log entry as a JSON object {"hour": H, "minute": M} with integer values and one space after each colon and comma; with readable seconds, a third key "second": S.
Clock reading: {"hour": 2, "minute": 16}
